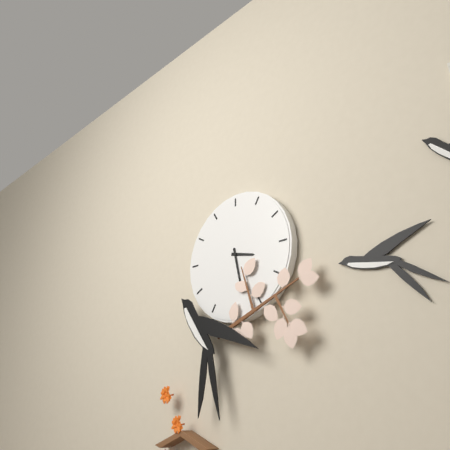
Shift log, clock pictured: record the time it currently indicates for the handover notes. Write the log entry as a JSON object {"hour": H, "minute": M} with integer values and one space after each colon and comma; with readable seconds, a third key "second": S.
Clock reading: {"hour": 3, "minute": 28}
